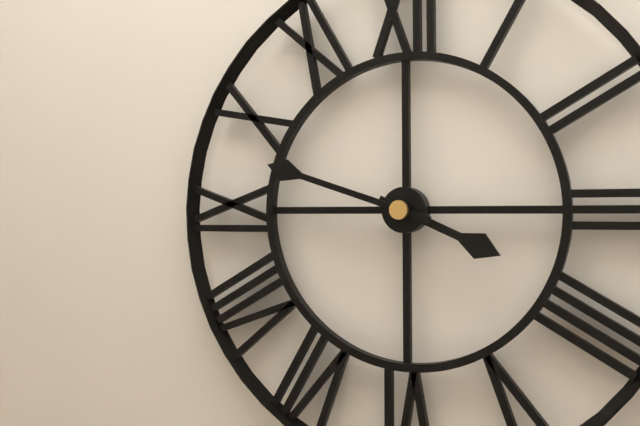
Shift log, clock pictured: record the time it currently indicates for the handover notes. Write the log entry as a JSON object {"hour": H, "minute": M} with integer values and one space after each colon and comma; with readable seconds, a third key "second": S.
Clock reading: {"hour": 3, "minute": 48}
